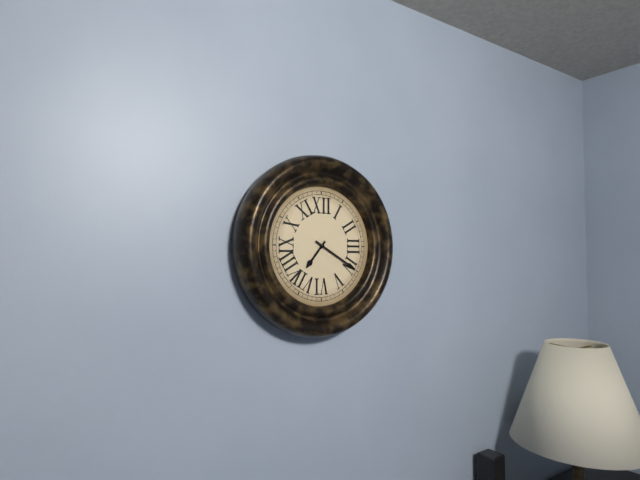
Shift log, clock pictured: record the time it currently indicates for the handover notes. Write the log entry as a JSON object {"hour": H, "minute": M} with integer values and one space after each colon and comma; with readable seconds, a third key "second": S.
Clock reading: {"hour": 7, "minute": 20}
